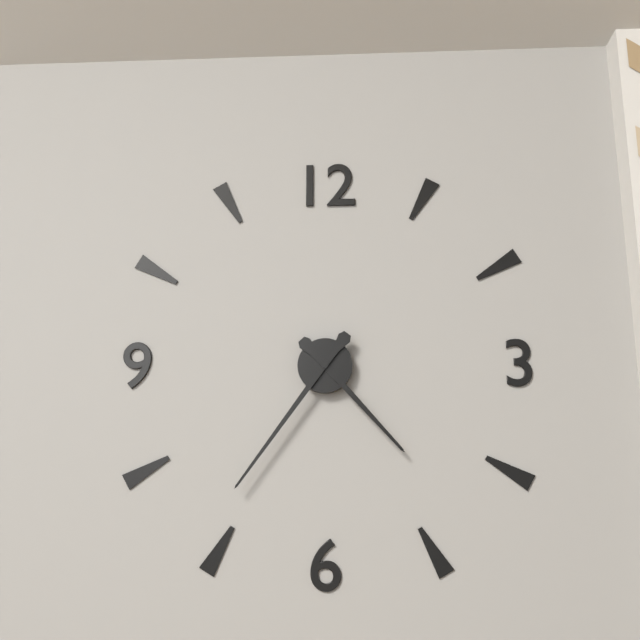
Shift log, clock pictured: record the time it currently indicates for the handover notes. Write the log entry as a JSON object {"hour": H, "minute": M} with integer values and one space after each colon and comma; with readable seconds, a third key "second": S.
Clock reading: {"hour": 4, "minute": 36}
